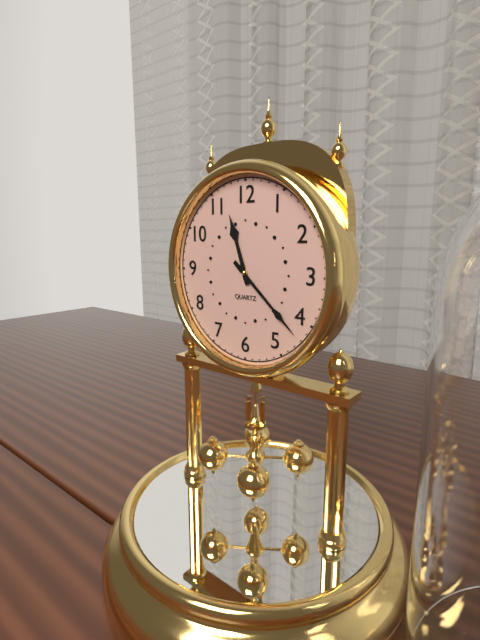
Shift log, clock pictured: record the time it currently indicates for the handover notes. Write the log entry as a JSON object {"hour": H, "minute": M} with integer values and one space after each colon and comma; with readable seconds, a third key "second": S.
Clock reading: {"hour": 11, "minute": 22}
